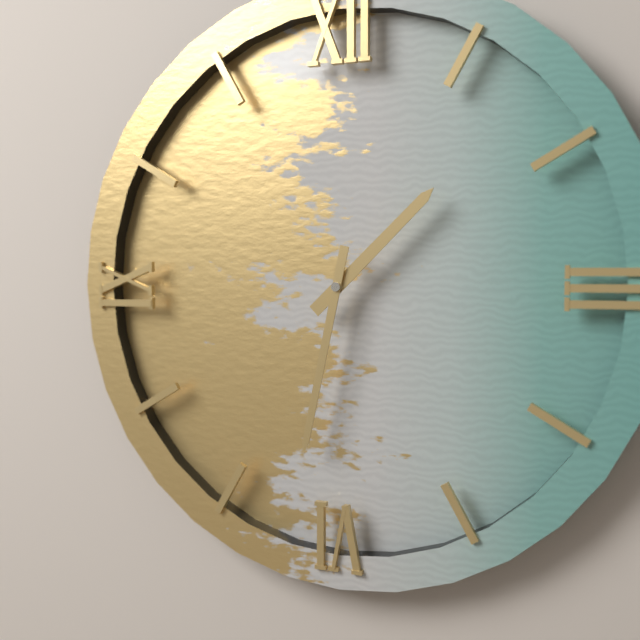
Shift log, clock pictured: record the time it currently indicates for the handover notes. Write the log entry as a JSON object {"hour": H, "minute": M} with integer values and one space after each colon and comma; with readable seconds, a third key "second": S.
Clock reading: {"hour": 1, "minute": 32}
